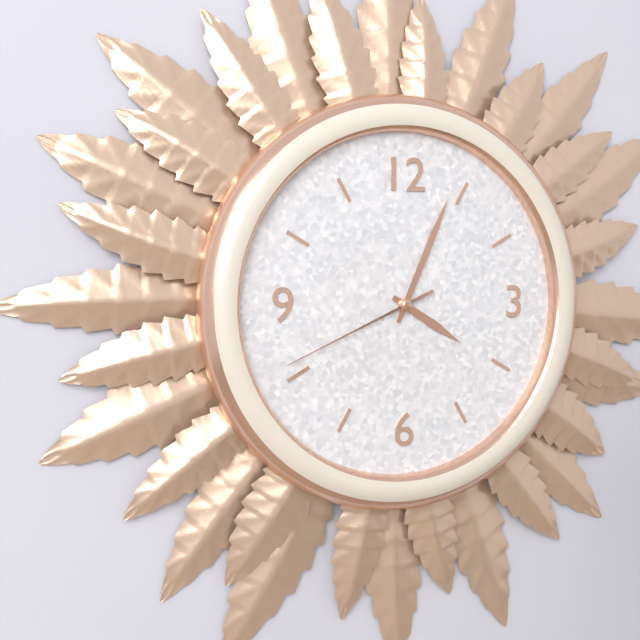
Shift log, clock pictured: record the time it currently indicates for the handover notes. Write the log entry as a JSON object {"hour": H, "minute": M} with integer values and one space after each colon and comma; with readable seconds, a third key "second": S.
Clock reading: {"hour": 4, "minute": 4, "second": 41}
